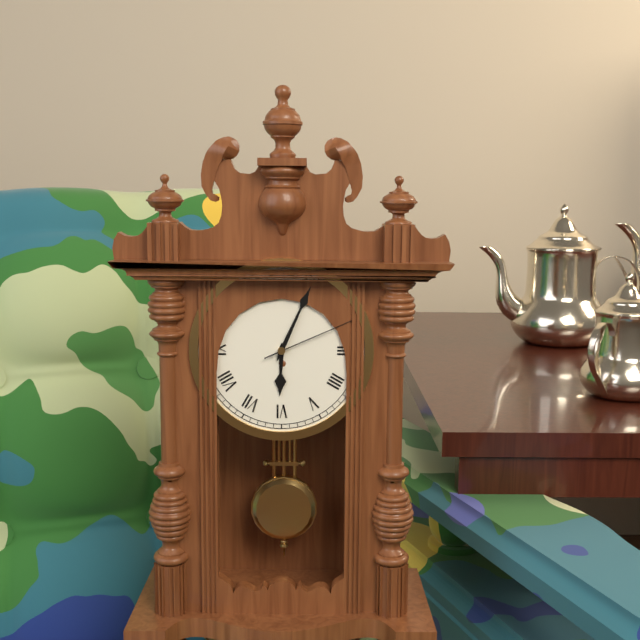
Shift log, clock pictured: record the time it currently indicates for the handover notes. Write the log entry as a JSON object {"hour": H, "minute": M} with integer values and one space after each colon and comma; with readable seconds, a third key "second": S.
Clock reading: {"hour": 6, "minute": 4, "second": 11}
